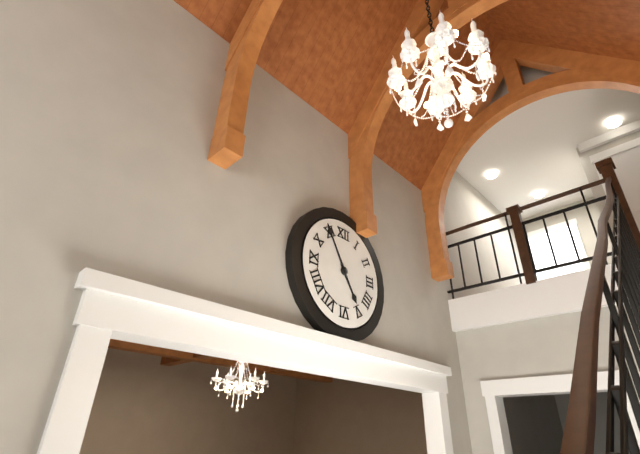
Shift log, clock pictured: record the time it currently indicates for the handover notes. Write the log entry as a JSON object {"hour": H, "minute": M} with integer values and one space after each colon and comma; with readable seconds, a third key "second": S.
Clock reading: {"hour": 4, "minute": 55}
